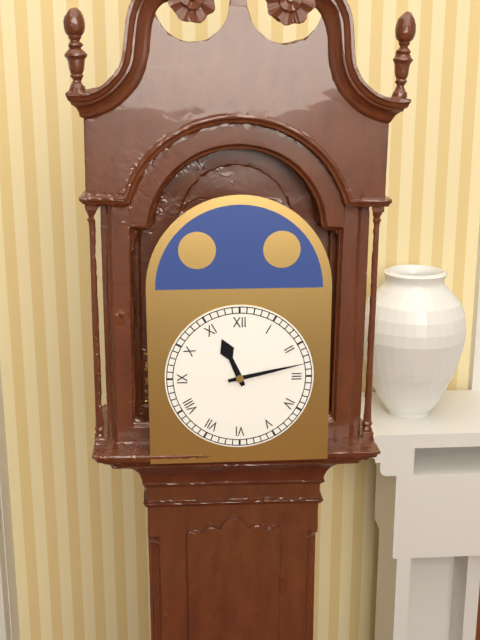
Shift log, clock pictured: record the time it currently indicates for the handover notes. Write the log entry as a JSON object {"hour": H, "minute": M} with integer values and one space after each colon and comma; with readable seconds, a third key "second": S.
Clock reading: {"hour": 11, "minute": 13}
